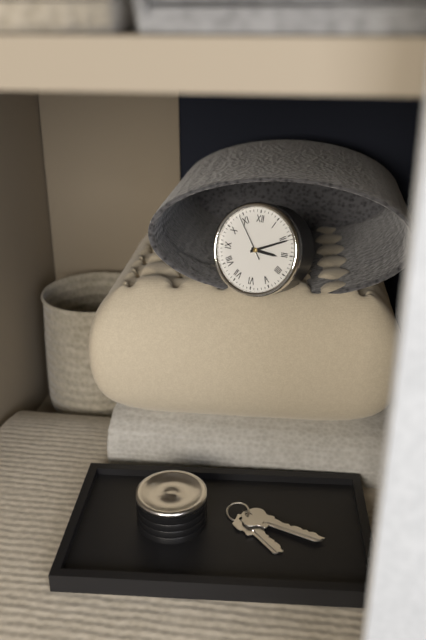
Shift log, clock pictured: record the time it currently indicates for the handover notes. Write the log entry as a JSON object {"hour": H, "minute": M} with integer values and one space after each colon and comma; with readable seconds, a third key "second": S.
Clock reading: {"hour": 3, "minute": 11}
